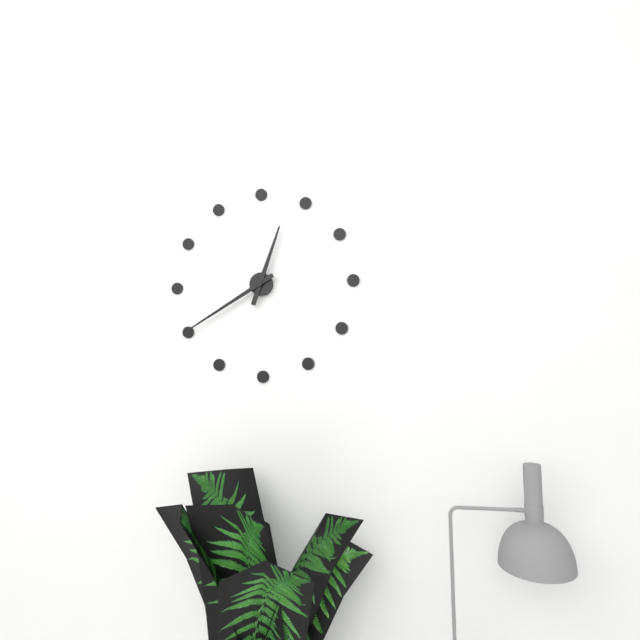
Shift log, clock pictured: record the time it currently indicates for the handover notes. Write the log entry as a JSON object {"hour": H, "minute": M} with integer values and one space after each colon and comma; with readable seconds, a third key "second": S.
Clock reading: {"hour": 12, "minute": 40}
